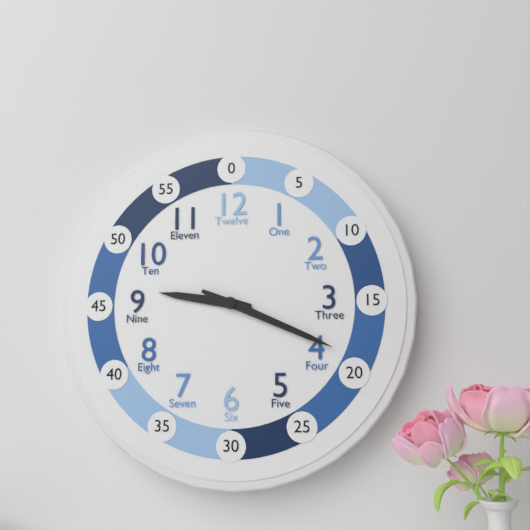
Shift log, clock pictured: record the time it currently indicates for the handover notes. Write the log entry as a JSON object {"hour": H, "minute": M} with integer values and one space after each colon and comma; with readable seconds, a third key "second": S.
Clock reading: {"hour": 9, "minute": 19}
